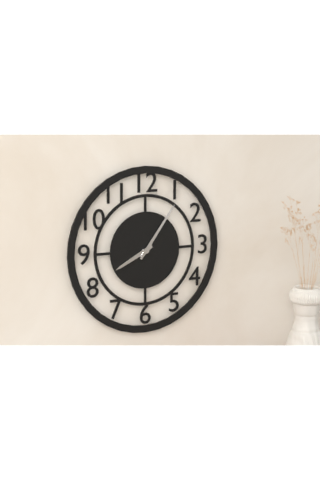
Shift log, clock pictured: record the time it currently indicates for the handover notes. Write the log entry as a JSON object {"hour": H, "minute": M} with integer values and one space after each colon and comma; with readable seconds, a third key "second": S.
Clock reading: {"hour": 8, "minute": 6}
